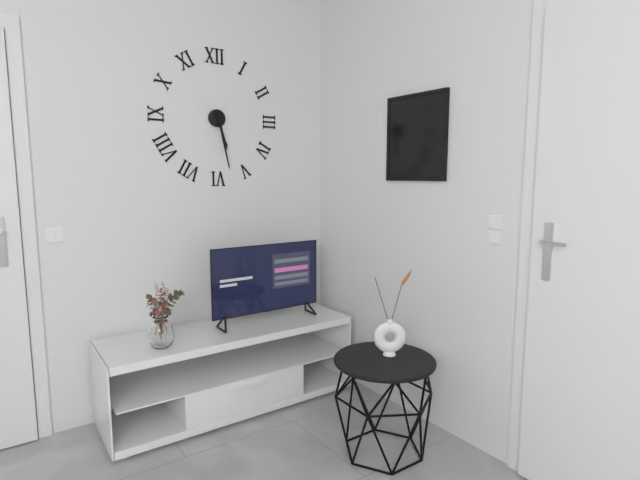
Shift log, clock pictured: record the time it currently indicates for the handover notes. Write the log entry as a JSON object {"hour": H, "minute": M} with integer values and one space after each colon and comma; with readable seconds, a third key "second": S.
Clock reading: {"hour": 5, "minute": 28}
